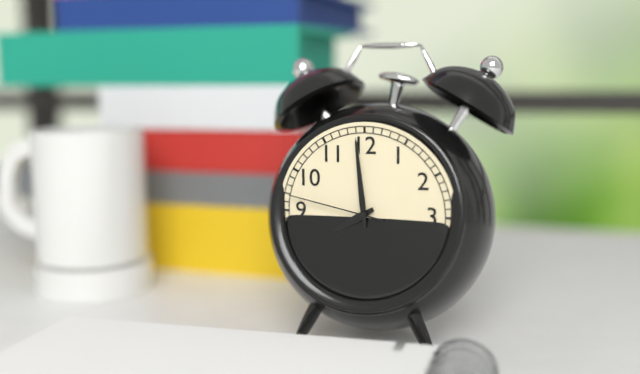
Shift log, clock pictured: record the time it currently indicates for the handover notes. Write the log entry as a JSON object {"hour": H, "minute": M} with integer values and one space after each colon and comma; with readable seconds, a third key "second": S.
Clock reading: {"hour": 7, "minute": 59, "second": 47}
